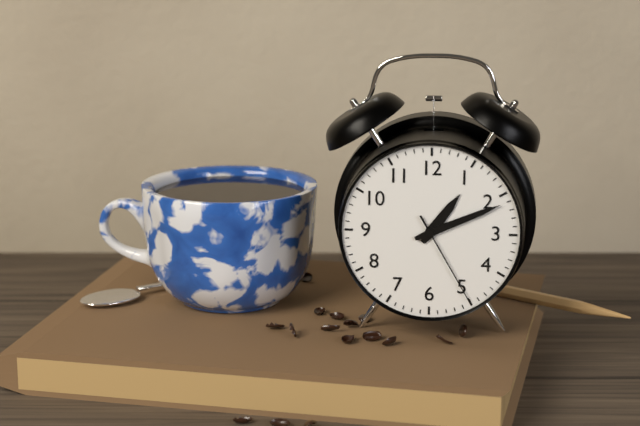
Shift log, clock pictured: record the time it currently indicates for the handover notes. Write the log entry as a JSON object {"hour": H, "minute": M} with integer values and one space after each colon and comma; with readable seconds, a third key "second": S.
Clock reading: {"hour": 1, "minute": 11, "second": 25}
